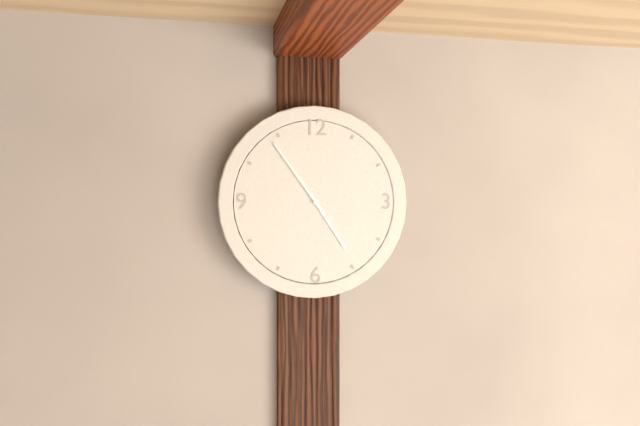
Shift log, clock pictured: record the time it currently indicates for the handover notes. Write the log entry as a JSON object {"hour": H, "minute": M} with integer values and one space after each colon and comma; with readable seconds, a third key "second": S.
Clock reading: {"hour": 4, "minute": 54}
